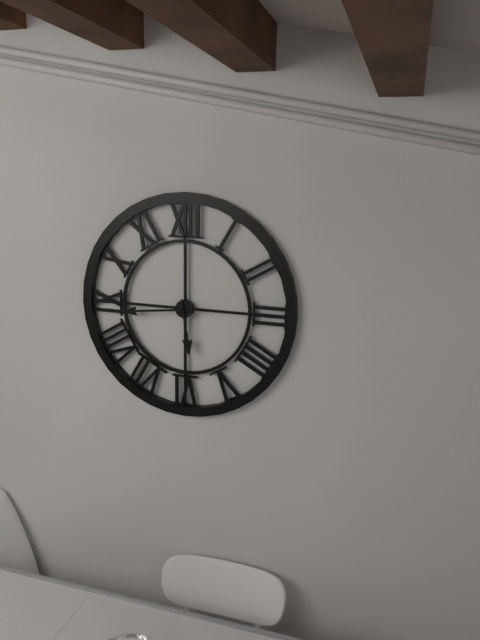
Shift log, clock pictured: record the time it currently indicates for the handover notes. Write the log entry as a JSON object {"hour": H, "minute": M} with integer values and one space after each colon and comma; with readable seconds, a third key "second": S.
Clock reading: {"hour": 5, "minute": 44}
